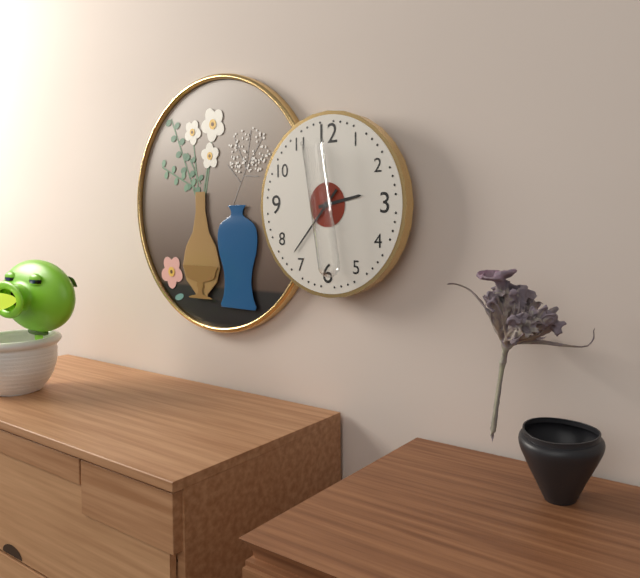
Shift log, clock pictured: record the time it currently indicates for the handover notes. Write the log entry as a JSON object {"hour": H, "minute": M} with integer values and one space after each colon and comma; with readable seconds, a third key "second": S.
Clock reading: {"hour": 2, "minute": 37}
